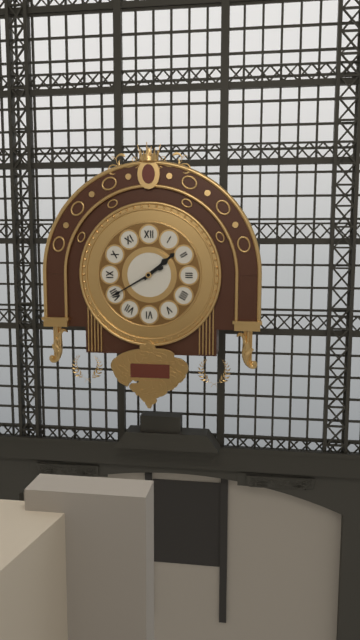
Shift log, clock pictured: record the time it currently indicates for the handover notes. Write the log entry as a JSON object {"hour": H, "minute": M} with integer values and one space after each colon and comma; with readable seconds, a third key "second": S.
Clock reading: {"hour": 1, "minute": 40}
